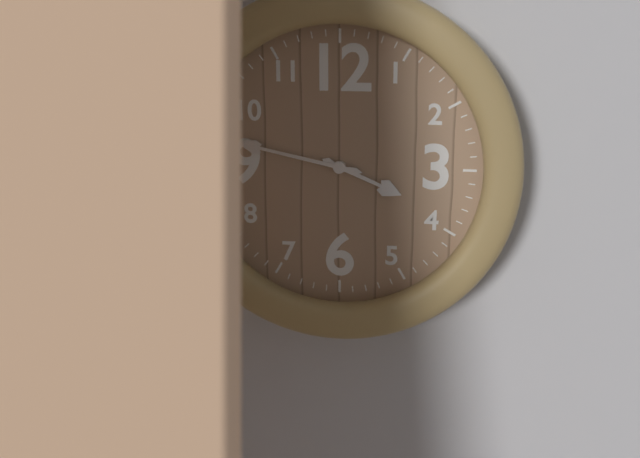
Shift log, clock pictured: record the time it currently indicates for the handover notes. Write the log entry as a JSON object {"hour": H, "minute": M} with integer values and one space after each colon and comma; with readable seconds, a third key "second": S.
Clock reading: {"hour": 3, "minute": 47}
